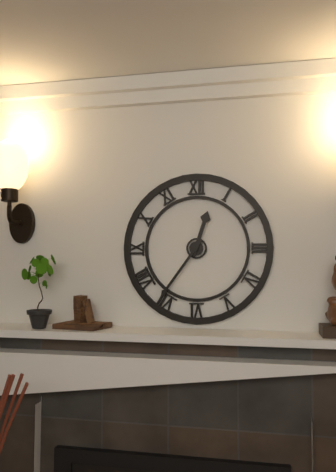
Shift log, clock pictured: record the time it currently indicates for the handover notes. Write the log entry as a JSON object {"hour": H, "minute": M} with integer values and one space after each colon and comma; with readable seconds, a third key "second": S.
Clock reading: {"hour": 12, "minute": 36}
